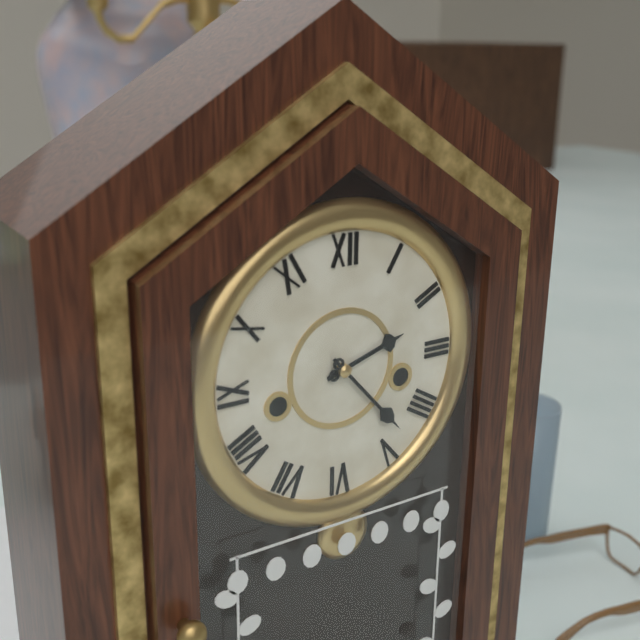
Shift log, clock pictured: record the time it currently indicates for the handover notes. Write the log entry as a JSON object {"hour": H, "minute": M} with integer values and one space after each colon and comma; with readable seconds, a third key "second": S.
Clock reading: {"hour": 2, "minute": 23}
